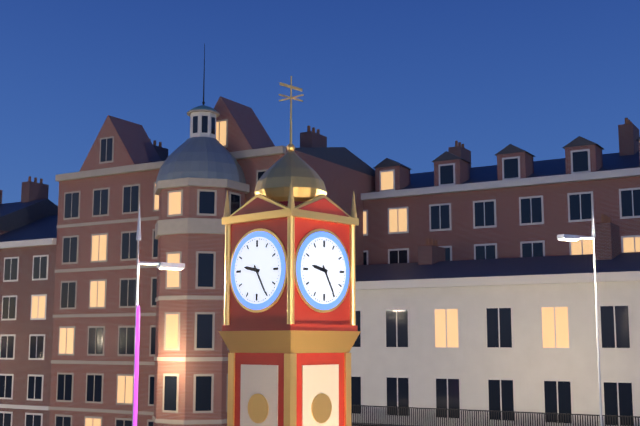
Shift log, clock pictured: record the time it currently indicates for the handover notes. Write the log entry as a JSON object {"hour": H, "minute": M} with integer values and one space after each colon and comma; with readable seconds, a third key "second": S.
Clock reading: {"hour": 9, "minute": 25}
